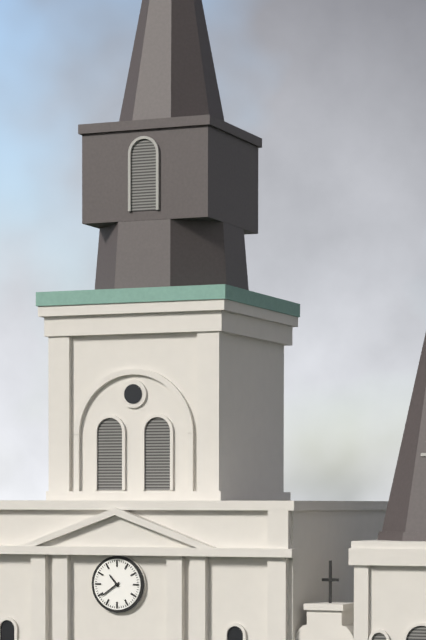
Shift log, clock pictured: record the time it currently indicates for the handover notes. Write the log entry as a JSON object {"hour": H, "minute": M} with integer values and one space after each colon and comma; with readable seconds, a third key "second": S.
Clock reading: {"hour": 10, "minute": 39}
